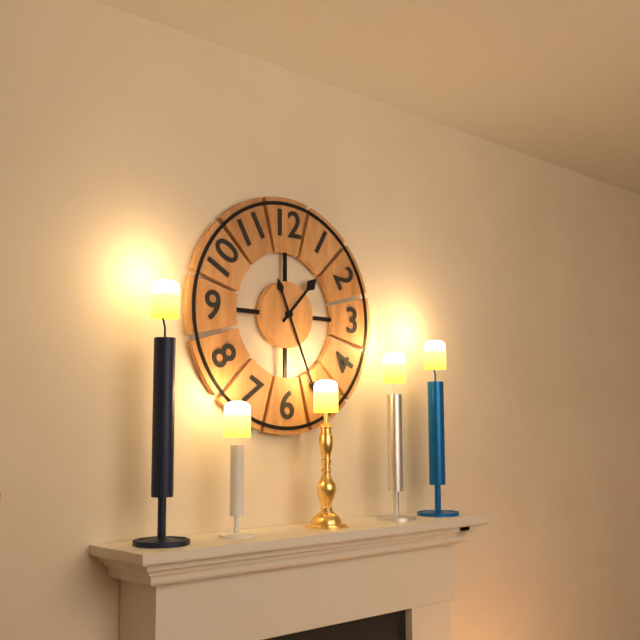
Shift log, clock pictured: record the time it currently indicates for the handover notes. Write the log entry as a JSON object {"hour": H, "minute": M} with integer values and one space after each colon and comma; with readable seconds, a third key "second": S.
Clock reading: {"hour": 1, "minute": 26}
